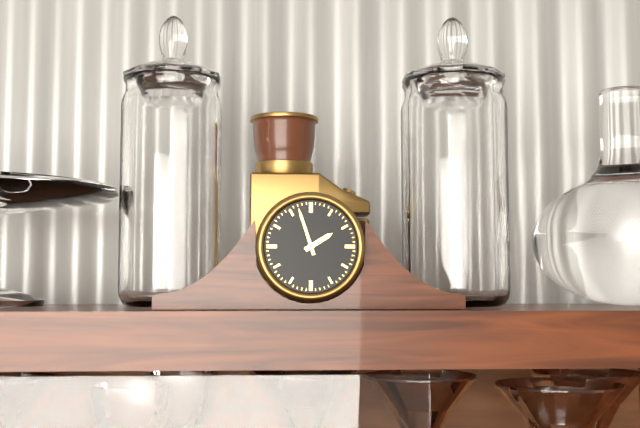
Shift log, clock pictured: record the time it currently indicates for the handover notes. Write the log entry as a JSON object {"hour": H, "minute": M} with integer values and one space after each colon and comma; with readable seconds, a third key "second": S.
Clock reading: {"hour": 1, "minute": 57}
